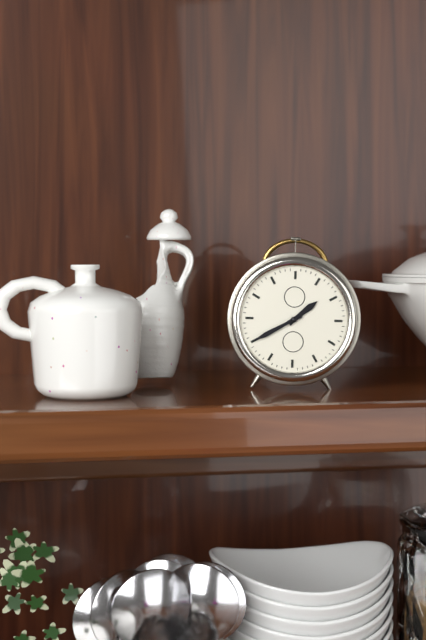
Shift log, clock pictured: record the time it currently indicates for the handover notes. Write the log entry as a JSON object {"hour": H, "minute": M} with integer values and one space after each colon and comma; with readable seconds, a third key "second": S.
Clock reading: {"hour": 1, "minute": 40}
